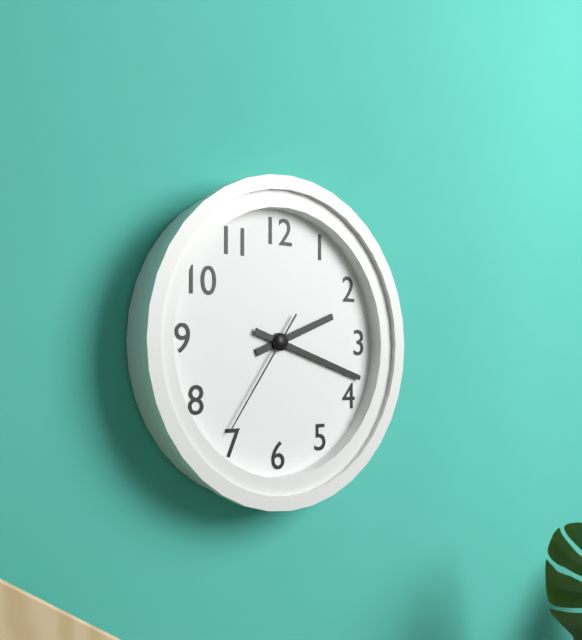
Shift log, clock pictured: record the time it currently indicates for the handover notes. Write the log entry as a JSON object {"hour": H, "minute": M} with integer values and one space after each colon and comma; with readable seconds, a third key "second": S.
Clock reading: {"hour": 2, "minute": 18, "second": 36}
